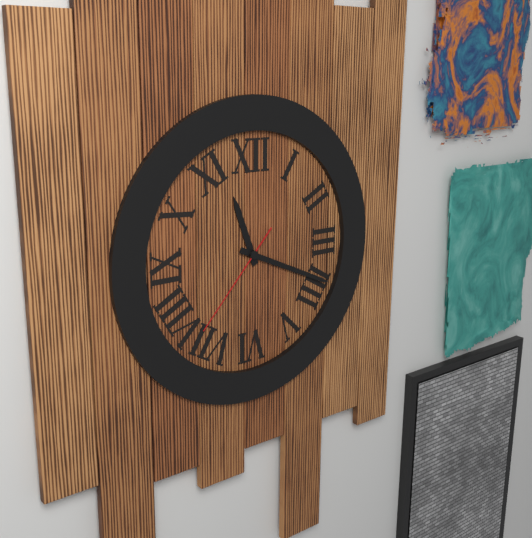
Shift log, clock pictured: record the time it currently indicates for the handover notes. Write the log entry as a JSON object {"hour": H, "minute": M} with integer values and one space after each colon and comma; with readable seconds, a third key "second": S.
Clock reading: {"hour": 11, "minute": 19, "second": 37}
